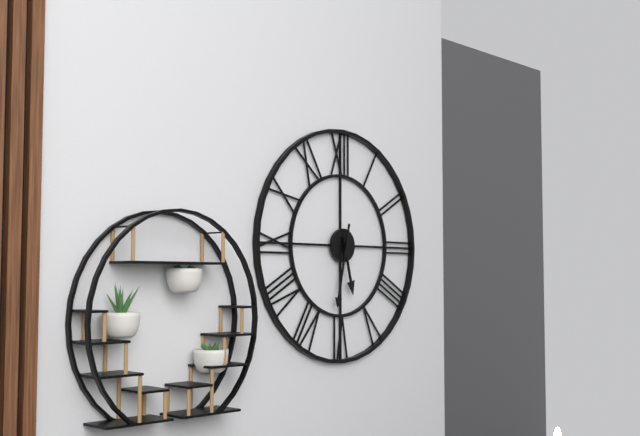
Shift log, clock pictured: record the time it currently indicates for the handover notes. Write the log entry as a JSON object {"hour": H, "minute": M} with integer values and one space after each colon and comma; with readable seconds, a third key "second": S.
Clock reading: {"hour": 5, "minute": 32}
